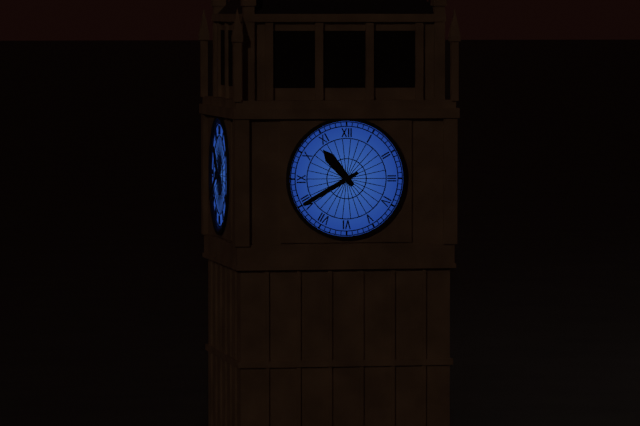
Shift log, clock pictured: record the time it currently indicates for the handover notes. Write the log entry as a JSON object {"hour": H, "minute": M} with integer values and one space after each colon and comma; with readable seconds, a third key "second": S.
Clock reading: {"hour": 10, "minute": 40}
